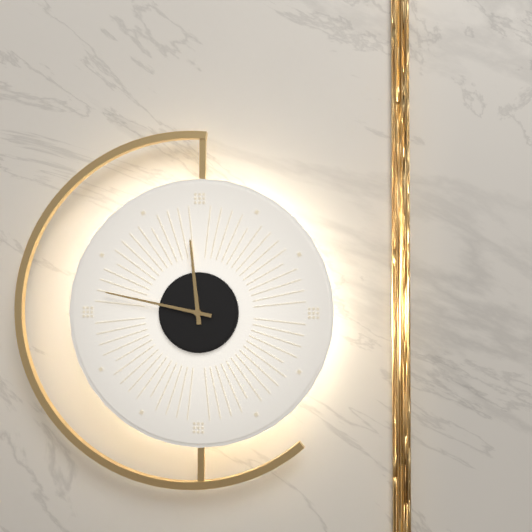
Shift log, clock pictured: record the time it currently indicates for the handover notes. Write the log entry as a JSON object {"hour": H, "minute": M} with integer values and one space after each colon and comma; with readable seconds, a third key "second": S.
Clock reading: {"hour": 11, "minute": 47}
